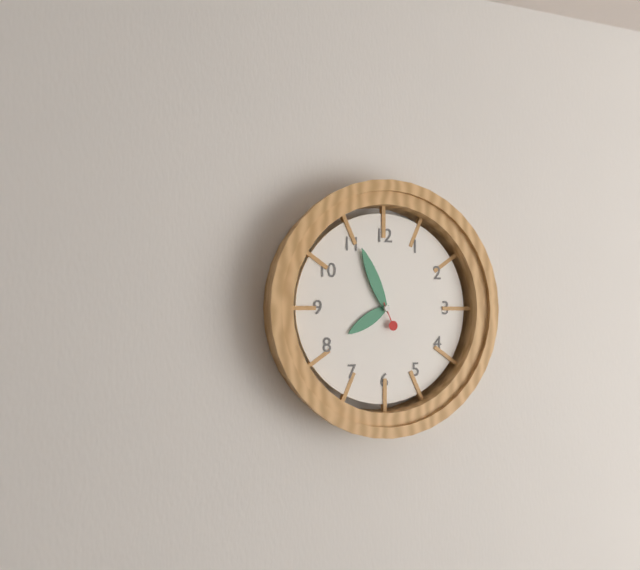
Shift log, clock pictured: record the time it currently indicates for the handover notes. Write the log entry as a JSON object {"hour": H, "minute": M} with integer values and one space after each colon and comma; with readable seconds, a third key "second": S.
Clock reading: {"hour": 7, "minute": 56}
